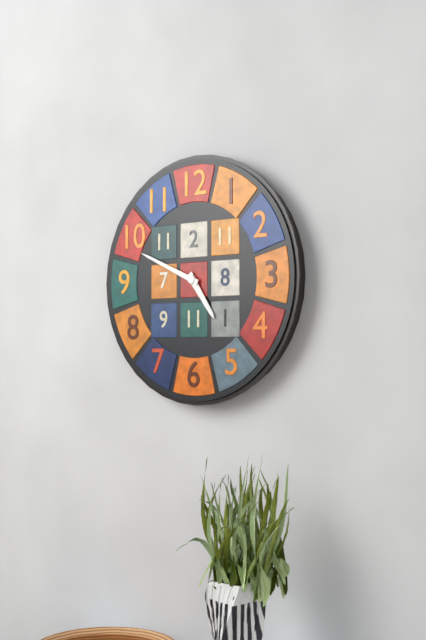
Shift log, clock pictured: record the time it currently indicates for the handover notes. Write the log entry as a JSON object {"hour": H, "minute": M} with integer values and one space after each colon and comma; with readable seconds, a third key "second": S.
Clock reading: {"hour": 4, "minute": 49}
